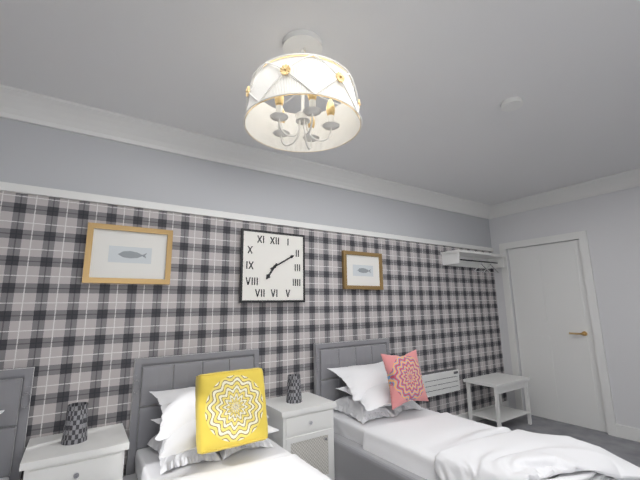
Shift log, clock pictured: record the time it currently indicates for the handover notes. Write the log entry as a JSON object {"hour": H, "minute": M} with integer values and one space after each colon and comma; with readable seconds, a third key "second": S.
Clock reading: {"hour": 7, "minute": 10}
